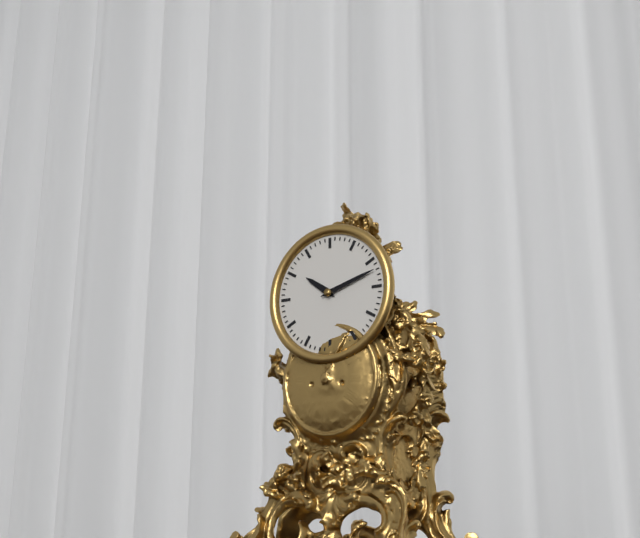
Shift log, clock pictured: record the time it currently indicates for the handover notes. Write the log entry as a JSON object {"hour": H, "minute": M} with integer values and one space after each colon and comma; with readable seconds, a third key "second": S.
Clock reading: {"hour": 10, "minute": 12}
